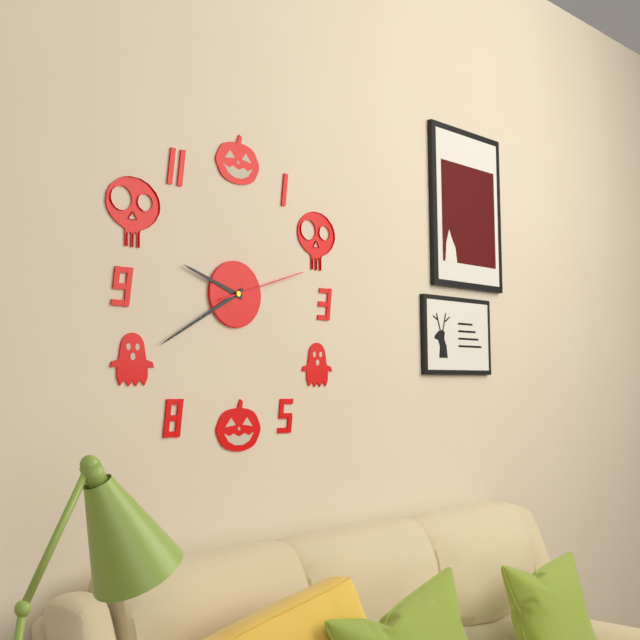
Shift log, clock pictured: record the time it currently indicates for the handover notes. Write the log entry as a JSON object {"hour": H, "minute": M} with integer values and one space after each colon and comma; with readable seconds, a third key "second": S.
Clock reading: {"hour": 9, "minute": 40, "second": 12}
